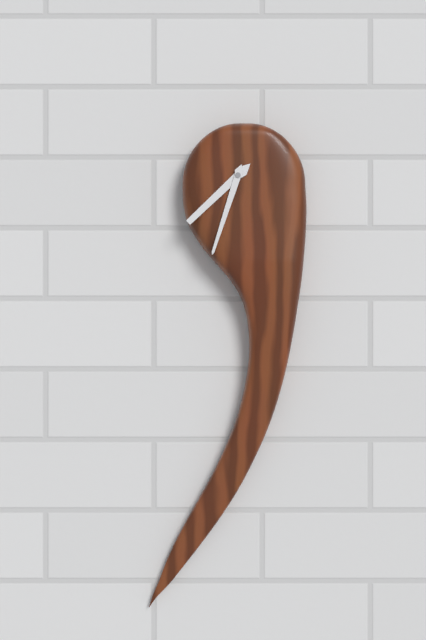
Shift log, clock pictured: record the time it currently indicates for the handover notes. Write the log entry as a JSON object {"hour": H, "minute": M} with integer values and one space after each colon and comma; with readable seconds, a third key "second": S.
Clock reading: {"hour": 7, "minute": 33}
